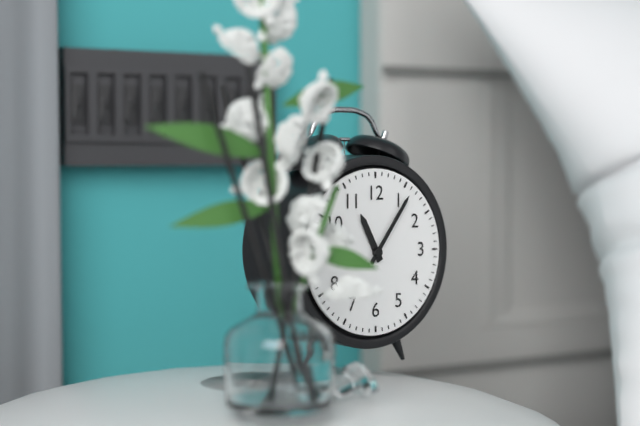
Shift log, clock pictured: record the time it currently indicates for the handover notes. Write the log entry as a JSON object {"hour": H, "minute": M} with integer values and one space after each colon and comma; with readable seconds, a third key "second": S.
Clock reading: {"hour": 11, "minute": 6}
